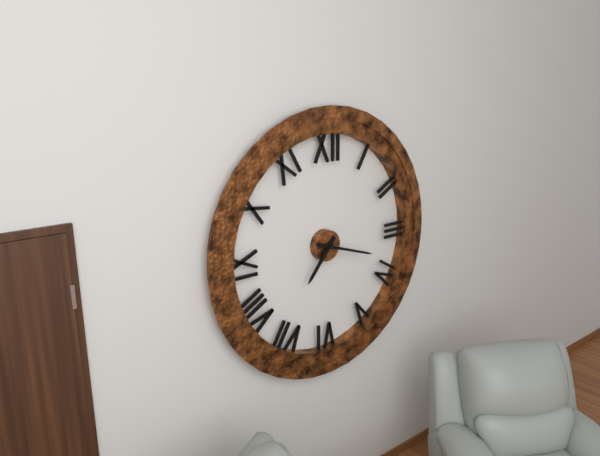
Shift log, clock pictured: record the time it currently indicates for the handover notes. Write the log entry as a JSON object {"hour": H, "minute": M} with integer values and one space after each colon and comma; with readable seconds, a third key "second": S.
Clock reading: {"hour": 7, "minute": 18}
